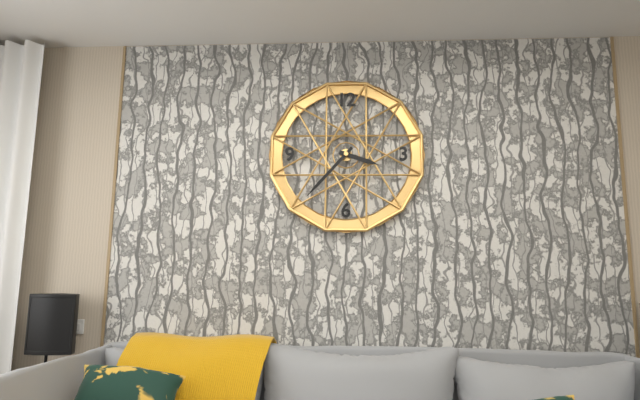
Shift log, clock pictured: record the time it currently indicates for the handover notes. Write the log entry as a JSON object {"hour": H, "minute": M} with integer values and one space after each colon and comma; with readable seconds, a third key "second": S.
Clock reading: {"hour": 3, "minute": 37}
